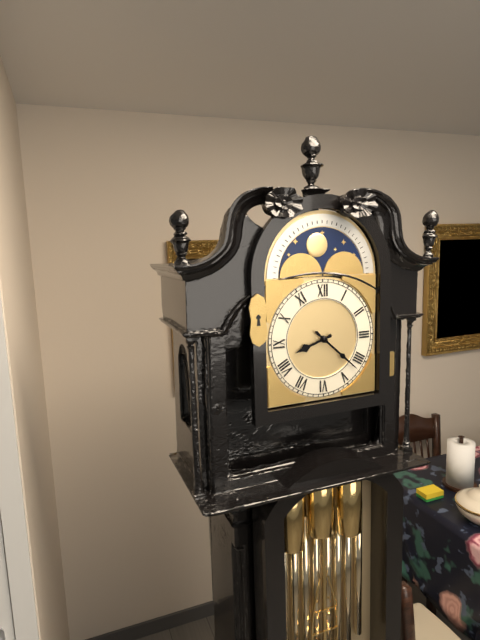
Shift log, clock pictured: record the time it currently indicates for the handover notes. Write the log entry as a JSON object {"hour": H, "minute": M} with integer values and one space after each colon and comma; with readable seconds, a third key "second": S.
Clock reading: {"hour": 8, "minute": 22}
